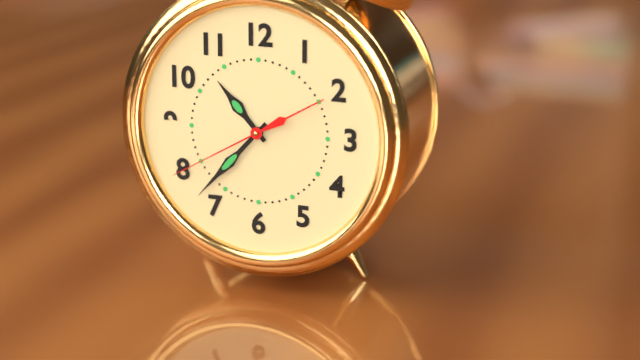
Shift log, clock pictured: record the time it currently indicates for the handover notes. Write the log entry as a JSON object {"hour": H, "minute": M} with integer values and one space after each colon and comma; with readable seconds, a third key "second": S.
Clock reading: {"hour": 10, "minute": 37, "second": 40}
